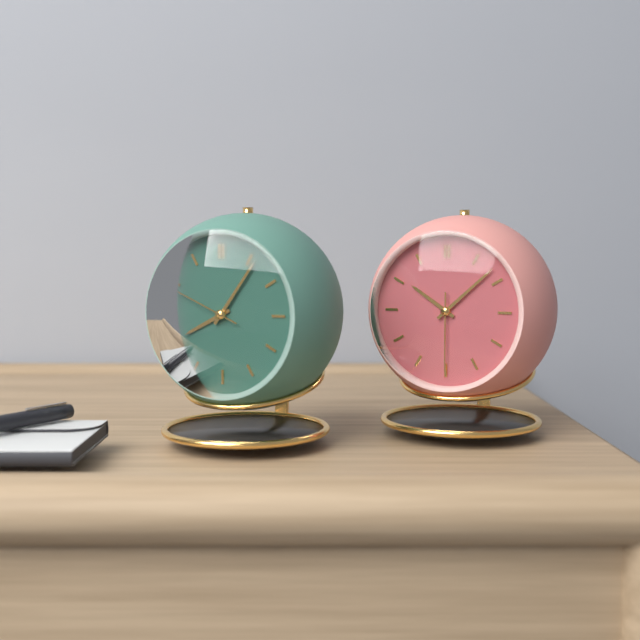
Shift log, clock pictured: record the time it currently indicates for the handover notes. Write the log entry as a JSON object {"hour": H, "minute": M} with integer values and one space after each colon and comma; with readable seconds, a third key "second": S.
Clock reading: {"hour": 8, "minute": 6, "second": 49}
